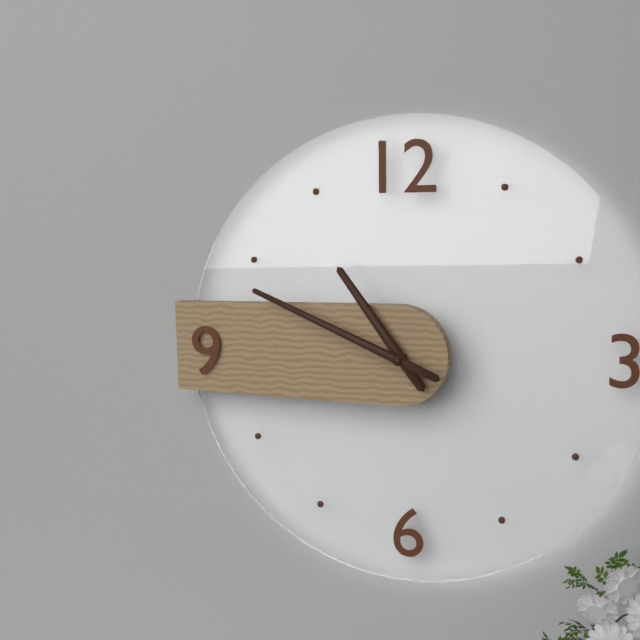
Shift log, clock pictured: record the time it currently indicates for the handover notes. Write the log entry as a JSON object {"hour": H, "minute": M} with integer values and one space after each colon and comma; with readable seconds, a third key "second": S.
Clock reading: {"hour": 10, "minute": 49}
